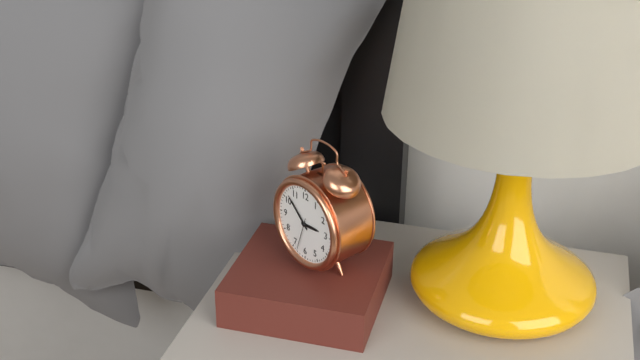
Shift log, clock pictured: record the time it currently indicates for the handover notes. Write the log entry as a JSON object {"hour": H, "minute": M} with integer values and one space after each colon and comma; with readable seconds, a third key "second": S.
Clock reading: {"hour": 2, "minute": 52}
